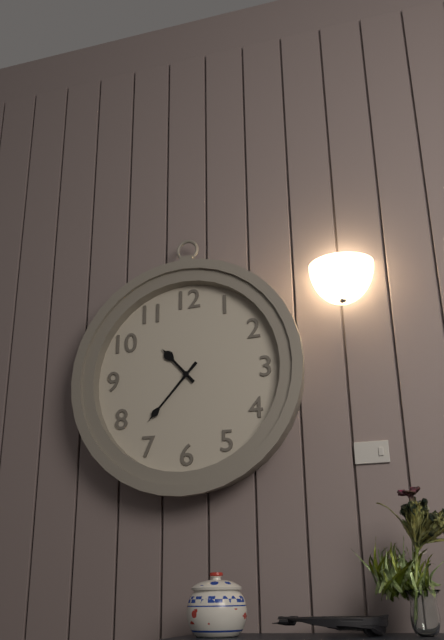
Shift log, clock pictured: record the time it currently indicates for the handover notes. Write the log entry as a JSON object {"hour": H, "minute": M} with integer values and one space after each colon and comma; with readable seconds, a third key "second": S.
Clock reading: {"hour": 10, "minute": 37}
